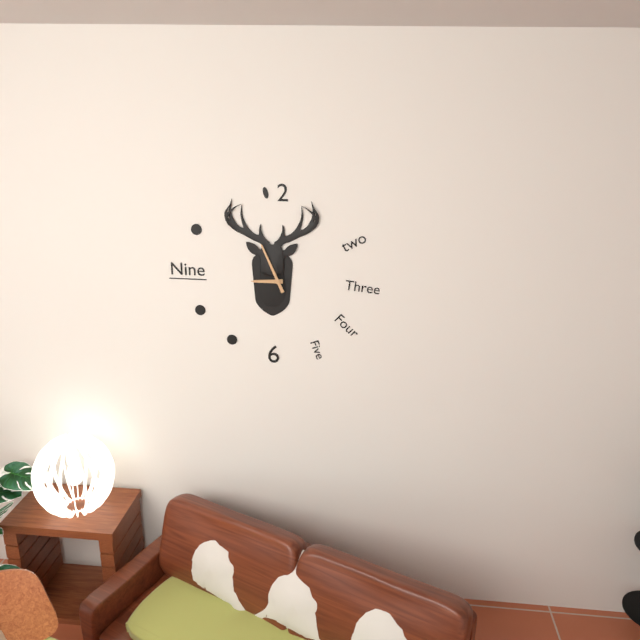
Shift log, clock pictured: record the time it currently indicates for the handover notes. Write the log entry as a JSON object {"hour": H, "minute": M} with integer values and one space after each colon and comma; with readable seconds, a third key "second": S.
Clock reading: {"hour": 8, "minute": 56}
